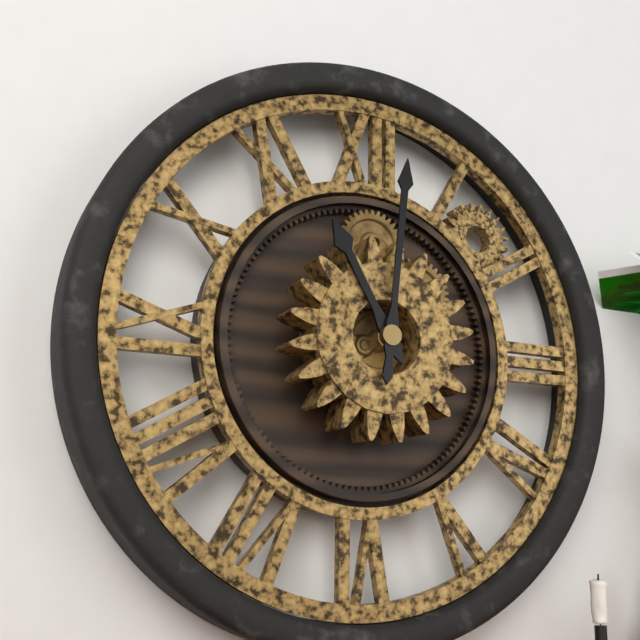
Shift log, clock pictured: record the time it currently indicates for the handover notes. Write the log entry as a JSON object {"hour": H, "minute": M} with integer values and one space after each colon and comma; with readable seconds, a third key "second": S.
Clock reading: {"hour": 11, "minute": 1}
